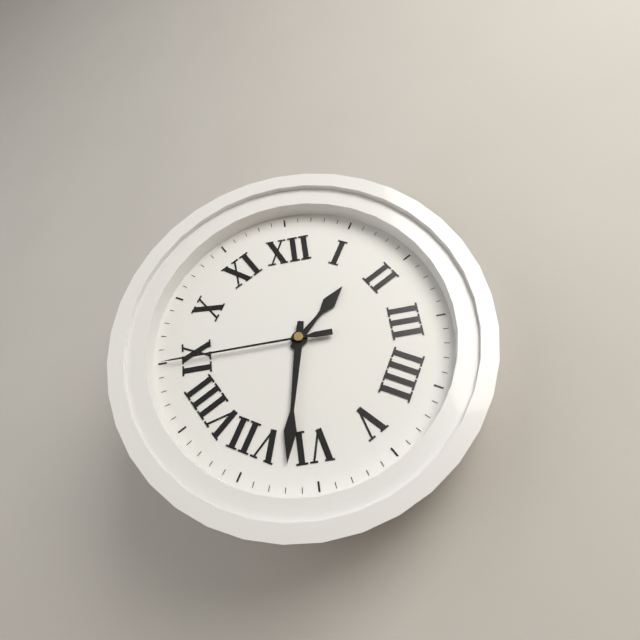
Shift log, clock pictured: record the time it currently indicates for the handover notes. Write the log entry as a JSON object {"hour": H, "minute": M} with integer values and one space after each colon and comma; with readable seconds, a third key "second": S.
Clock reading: {"hour": 1, "minute": 32, "second": 45}
